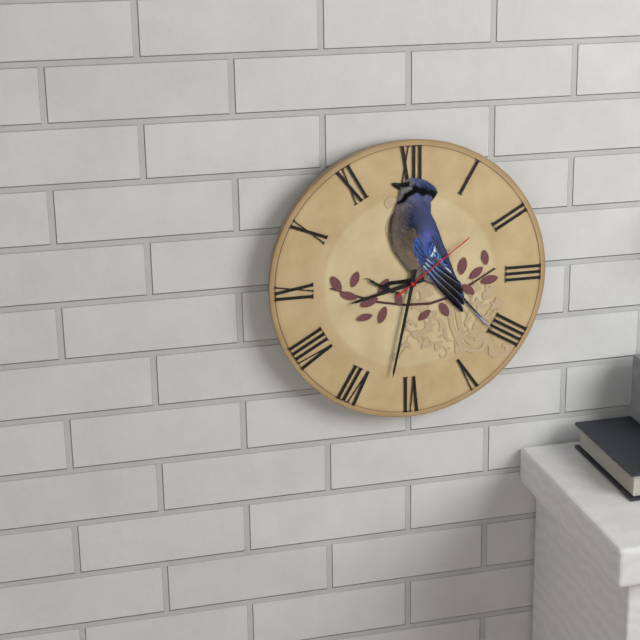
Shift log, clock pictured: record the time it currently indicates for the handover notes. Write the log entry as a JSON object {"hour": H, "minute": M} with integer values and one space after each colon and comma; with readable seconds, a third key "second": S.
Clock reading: {"hour": 8, "minute": 32, "second": 9}
